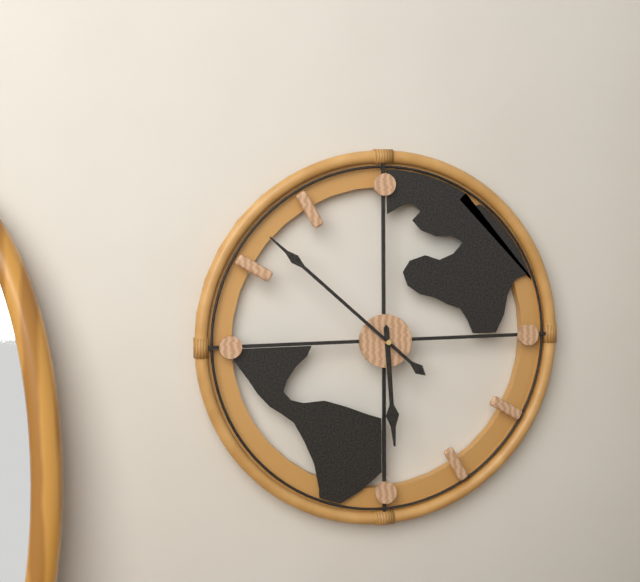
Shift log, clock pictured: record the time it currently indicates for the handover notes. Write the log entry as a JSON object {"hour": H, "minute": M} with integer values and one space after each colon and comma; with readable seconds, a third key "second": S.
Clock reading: {"hour": 5, "minute": 52}
